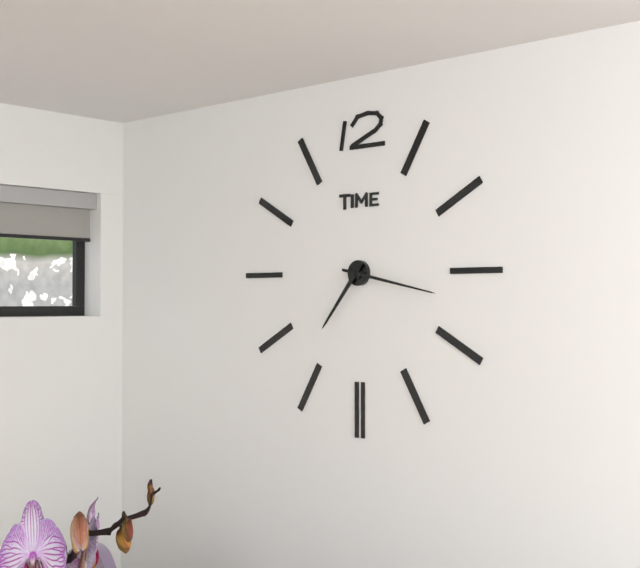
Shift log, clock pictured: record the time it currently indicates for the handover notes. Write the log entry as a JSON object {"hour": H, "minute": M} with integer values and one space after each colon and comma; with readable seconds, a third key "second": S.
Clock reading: {"hour": 7, "minute": 17}
